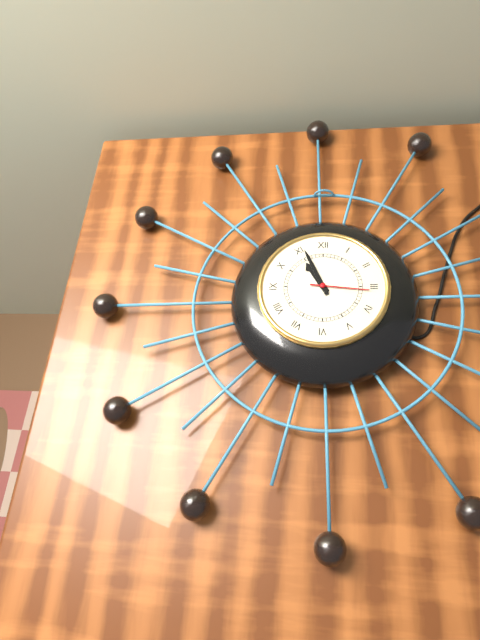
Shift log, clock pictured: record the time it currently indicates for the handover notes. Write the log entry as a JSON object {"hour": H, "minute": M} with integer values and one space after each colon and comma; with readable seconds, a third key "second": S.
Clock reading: {"hour": 10, "minute": 56, "second": 16}
